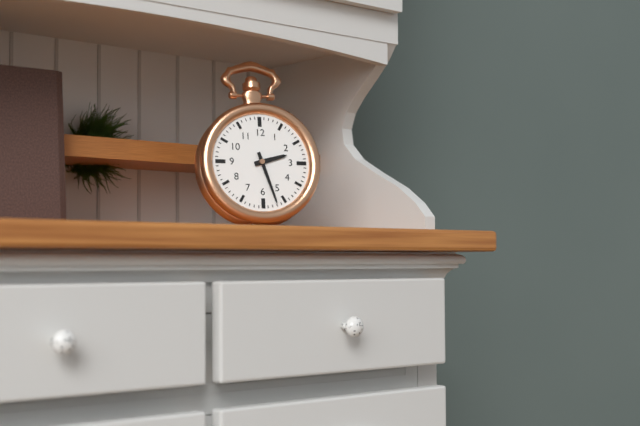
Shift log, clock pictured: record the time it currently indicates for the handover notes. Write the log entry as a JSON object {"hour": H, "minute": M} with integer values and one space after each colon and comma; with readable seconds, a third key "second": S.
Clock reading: {"hour": 2, "minute": 27}
